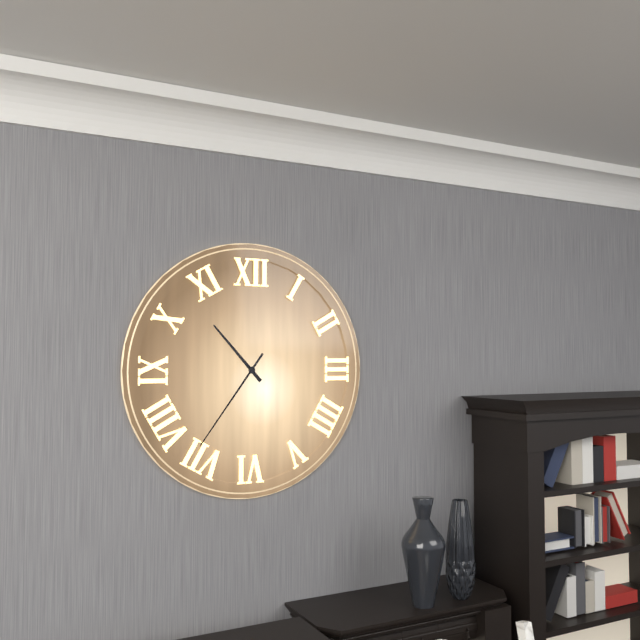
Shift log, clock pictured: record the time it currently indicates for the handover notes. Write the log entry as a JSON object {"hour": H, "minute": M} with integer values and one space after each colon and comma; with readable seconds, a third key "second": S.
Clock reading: {"hour": 10, "minute": 36}
